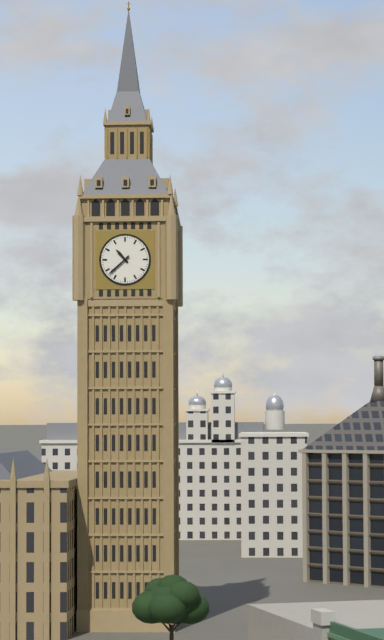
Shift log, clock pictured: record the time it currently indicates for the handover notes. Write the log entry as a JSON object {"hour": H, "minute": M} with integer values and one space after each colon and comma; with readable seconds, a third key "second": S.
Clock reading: {"hour": 10, "minute": 38}
